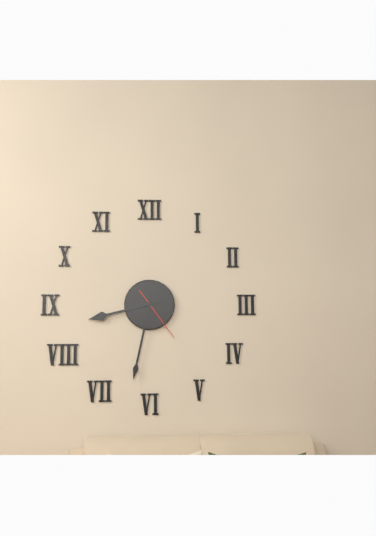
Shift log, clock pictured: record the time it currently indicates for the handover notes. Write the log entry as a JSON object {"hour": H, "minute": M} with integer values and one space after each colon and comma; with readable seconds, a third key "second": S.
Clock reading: {"hour": 8, "minute": 32, "second": 24}
